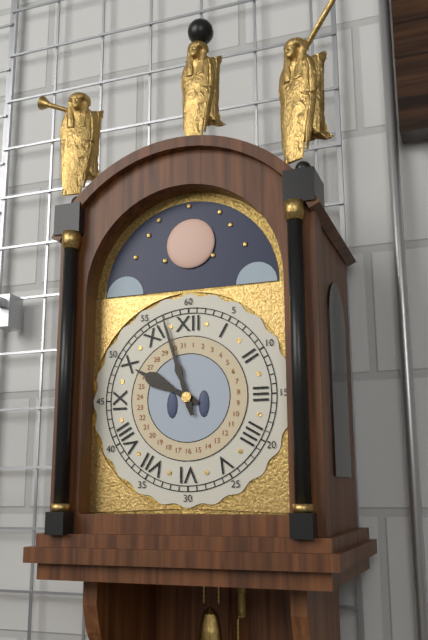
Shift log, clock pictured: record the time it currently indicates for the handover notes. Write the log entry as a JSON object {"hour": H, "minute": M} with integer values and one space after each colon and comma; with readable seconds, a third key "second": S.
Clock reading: {"hour": 9, "minute": 57}
